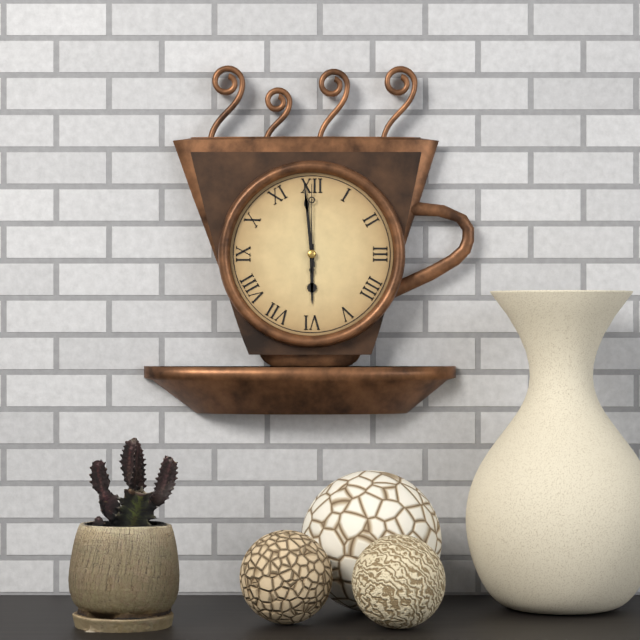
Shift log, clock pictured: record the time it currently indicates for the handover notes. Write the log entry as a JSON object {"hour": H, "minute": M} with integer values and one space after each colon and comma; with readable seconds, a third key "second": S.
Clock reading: {"hour": 5, "minute": 59, "second": 0}
